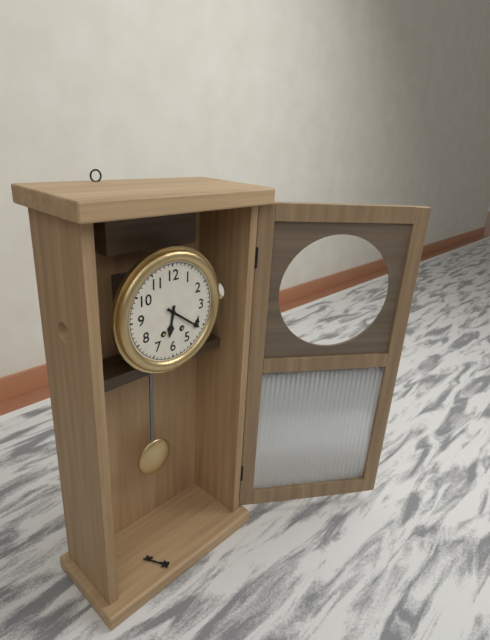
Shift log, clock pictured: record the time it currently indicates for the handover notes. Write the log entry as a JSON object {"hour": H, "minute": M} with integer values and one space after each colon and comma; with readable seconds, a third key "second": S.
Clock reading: {"hour": 6, "minute": 21}
